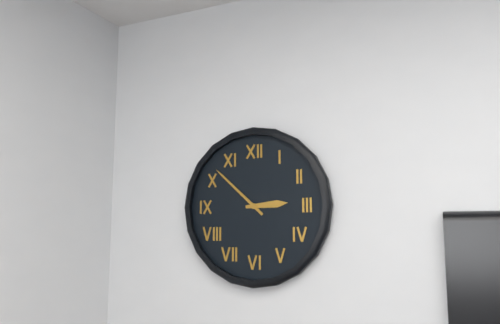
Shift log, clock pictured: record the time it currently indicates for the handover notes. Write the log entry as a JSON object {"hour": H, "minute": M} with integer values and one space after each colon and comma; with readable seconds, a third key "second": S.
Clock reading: {"hour": 2, "minute": 52}
